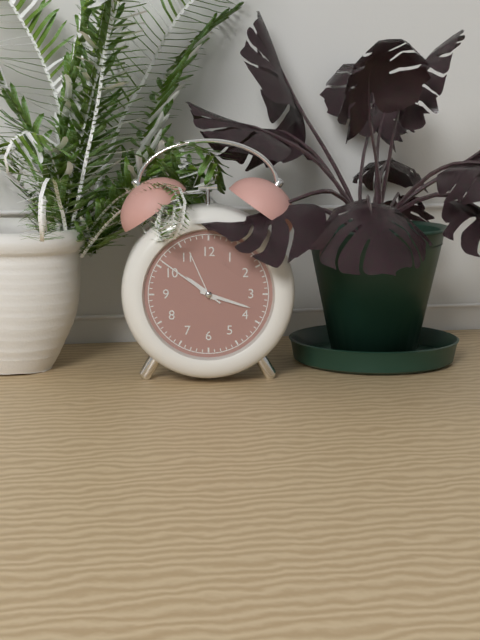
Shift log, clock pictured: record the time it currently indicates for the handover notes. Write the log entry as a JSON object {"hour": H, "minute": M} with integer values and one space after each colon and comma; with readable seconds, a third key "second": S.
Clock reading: {"hour": 10, "minute": 18, "second": 51}
